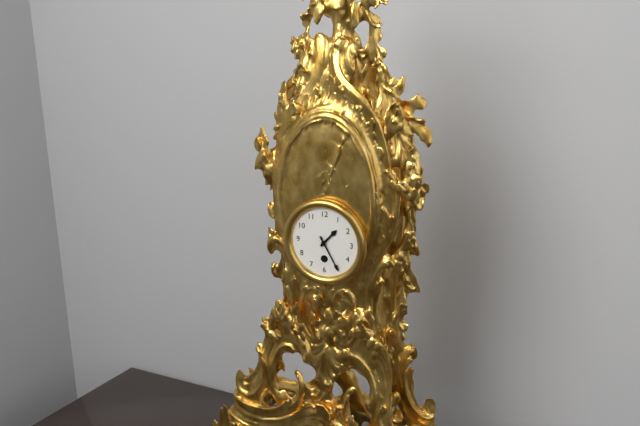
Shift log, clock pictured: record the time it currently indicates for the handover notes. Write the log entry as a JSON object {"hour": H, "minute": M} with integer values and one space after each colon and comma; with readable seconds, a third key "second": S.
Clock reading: {"hour": 1, "minute": 25}
